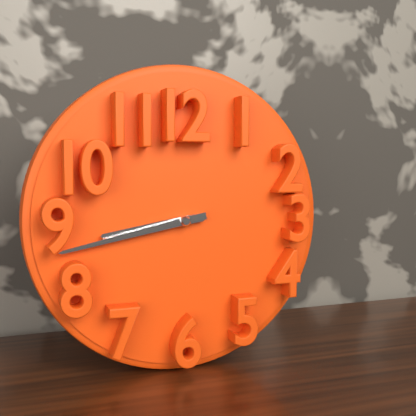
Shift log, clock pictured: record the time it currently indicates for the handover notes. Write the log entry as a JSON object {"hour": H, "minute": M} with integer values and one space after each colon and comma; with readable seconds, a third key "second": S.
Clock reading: {"hour": 8, "minute": 43}
